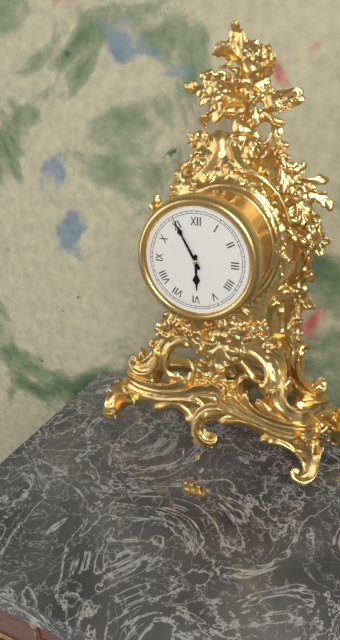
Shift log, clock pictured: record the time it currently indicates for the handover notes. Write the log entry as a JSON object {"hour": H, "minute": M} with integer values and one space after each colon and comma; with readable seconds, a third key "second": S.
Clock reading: {"hour": 5, "minute": 55}
